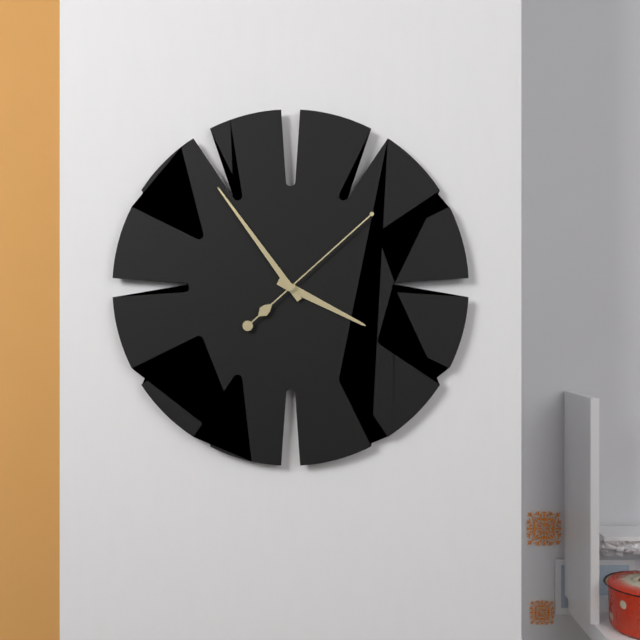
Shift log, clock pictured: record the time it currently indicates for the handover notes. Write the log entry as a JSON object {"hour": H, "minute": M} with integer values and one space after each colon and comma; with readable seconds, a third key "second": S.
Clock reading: {"hour": 3, "minute": 54, "second": 8}
